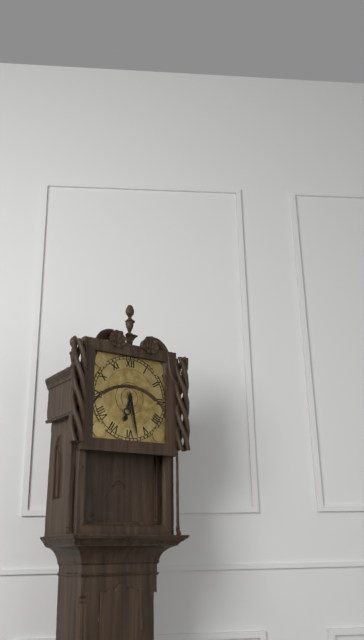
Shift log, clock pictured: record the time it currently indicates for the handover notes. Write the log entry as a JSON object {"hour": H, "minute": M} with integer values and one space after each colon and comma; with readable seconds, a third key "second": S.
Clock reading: {"hour": 6, "minute": 28}
